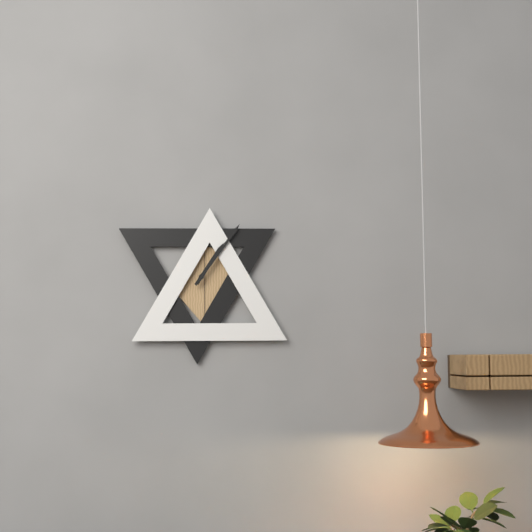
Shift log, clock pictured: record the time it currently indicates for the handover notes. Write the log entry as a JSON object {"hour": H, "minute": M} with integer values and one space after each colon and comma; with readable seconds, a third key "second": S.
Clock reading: {"hour": 1, "minute": 6}
